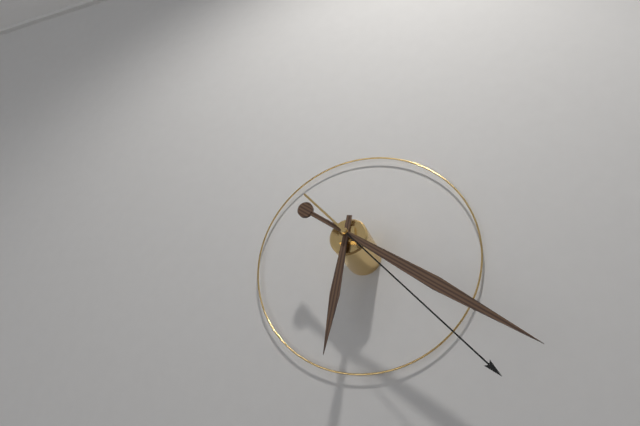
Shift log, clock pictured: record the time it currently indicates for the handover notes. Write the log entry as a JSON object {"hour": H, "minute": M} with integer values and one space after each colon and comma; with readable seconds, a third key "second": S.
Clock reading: {"hour": 6, "minute": 21, "second": 23}
